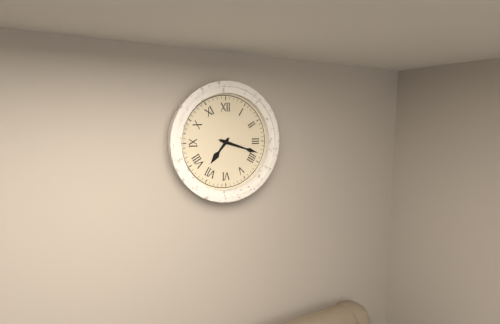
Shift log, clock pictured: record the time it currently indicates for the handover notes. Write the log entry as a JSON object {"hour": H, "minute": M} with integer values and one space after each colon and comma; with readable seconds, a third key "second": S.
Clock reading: {"hour": 7, "minute": 18}
